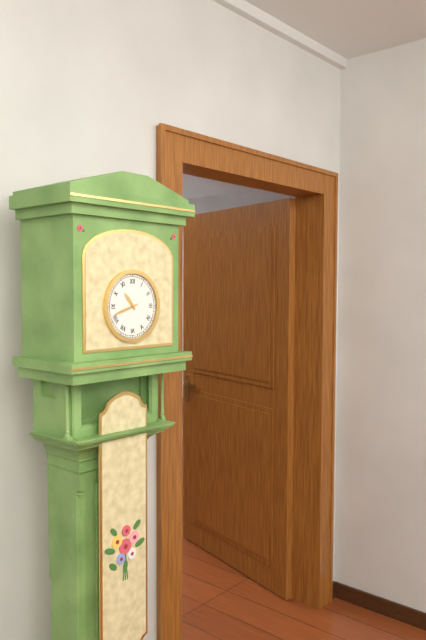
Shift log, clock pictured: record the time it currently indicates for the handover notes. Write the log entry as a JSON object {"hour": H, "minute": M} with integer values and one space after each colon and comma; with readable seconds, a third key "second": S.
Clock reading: {"hour": 10, "minute": 42}
